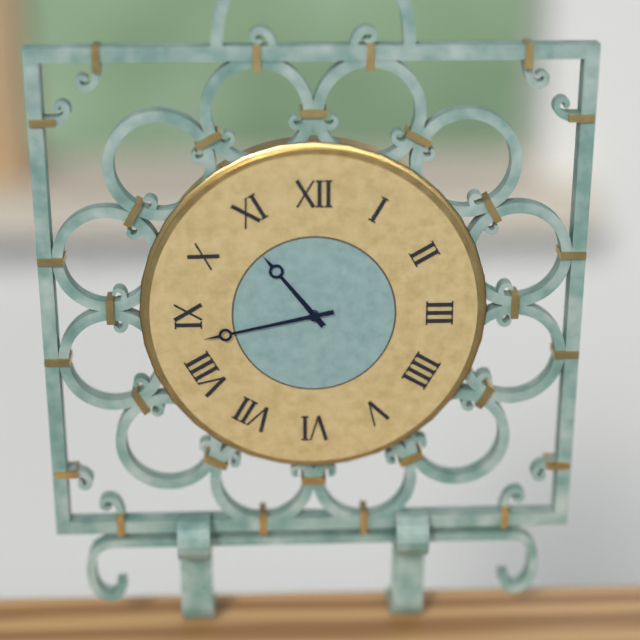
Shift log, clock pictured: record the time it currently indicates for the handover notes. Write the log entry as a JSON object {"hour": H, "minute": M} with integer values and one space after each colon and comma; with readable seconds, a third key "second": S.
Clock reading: {"hour": 10, "minute": 43}
